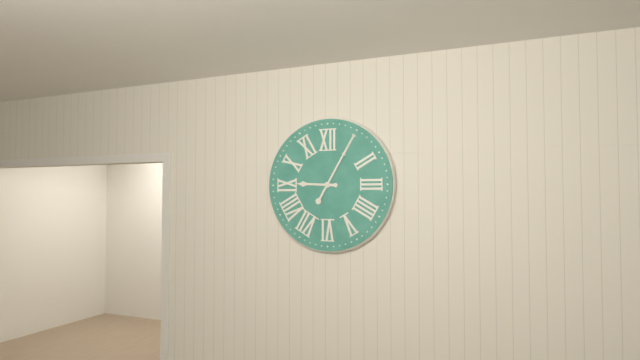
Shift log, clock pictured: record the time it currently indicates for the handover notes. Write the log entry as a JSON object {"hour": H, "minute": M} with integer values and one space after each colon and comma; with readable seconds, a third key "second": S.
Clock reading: {"hour": 9, "minute": 5}
